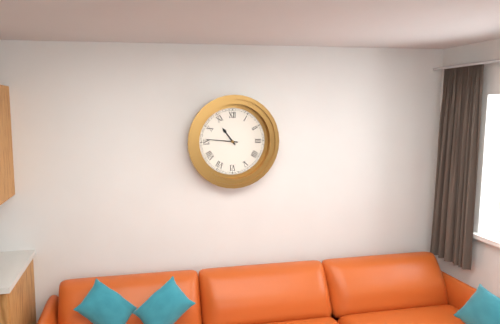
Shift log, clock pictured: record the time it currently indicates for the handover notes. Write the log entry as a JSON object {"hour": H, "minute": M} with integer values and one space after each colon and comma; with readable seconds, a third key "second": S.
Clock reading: {"hour": 10, "minute": 46}
